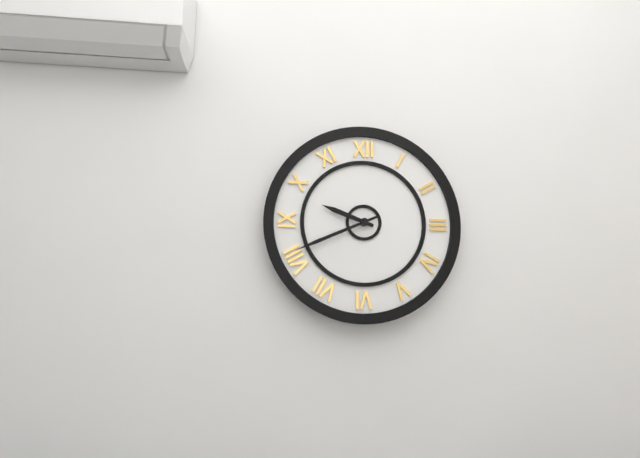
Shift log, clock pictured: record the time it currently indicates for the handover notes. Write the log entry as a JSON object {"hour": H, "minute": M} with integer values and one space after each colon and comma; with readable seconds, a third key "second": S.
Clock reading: {"hour": 9, "minute": 41}
